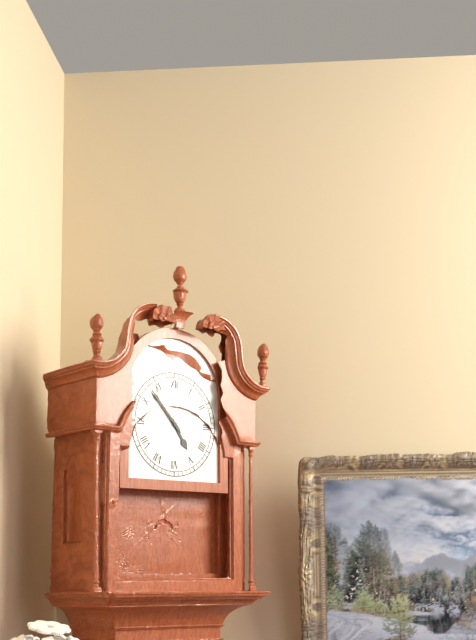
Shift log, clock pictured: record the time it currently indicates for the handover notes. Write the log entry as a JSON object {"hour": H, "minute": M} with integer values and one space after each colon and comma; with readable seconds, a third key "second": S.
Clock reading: {"hour": 4, "minute": 53}
